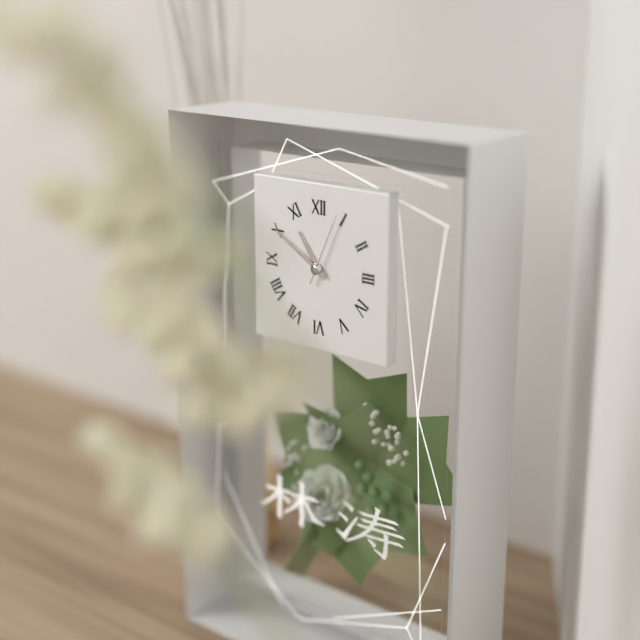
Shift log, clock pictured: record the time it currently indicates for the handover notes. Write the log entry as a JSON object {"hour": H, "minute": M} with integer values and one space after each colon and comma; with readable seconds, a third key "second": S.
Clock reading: {"hour": 10, "minute": 50, "second": 4}
